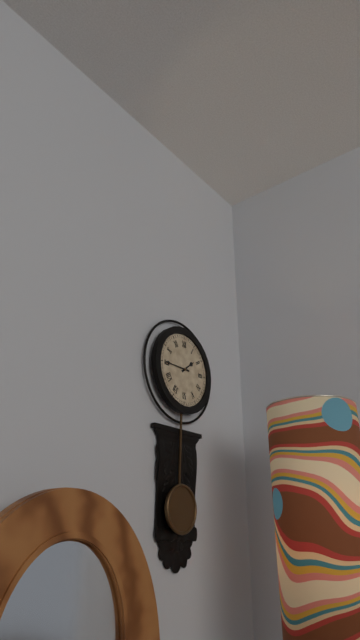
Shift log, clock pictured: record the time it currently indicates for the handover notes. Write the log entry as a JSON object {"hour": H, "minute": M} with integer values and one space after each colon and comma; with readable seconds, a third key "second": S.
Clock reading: {"hour": 1, "minute": 45}
